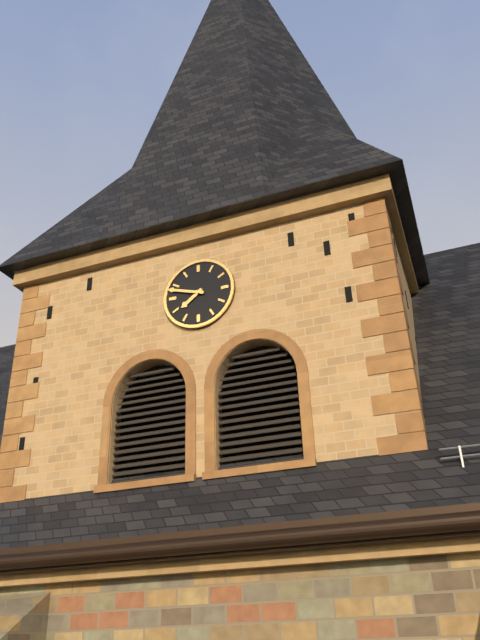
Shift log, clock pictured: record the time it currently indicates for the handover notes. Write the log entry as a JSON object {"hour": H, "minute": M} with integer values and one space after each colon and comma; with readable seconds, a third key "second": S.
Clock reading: {"hour": 7, "minute": 48}
